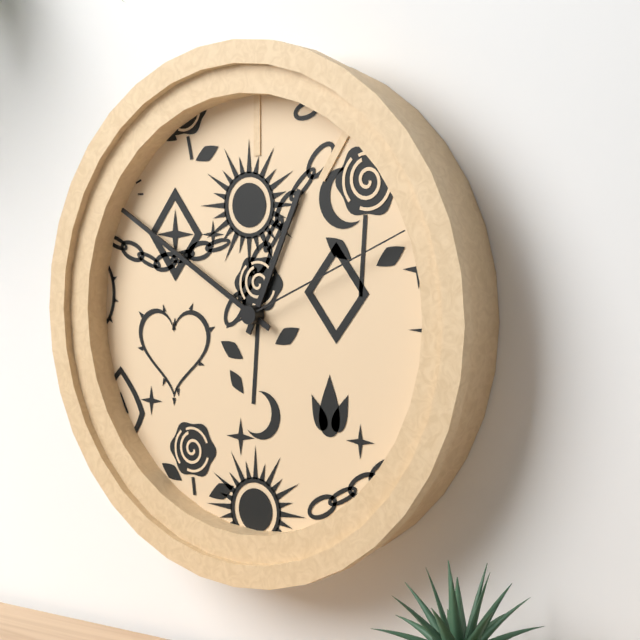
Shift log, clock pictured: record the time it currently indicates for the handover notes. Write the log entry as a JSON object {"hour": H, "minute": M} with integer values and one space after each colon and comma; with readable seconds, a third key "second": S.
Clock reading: {"hour": 12, "minute": 50, "second": 11}
